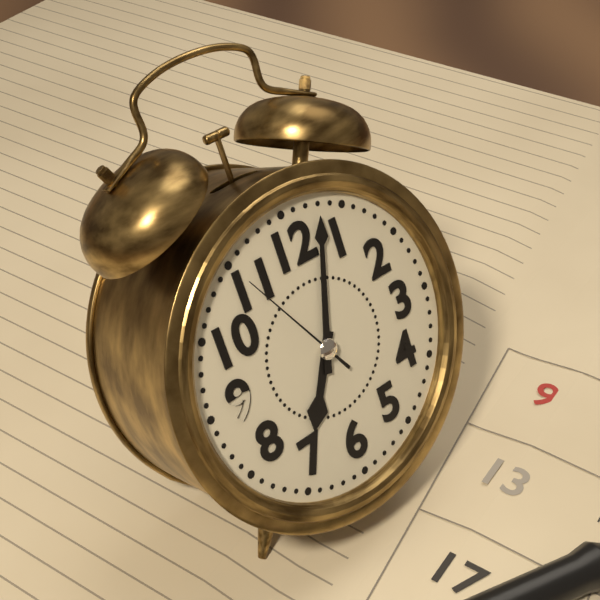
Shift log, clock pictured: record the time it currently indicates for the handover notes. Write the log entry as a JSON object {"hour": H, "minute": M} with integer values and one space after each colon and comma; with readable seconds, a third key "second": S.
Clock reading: {"hour": 7, "minute": 3, "second": 55}
